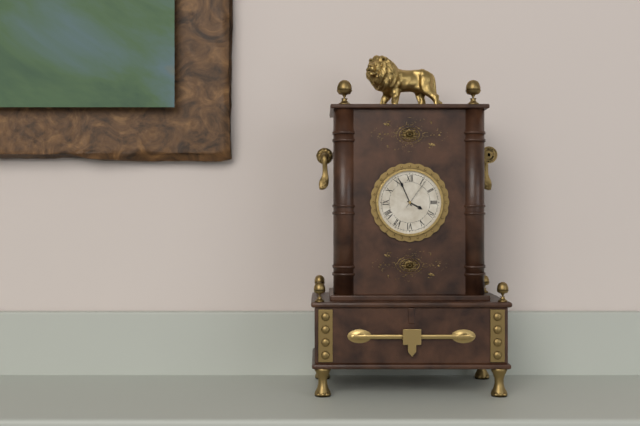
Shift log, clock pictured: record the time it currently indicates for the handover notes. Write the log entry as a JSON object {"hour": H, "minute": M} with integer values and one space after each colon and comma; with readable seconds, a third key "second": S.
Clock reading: {"hour": 3, "minute": 56}
